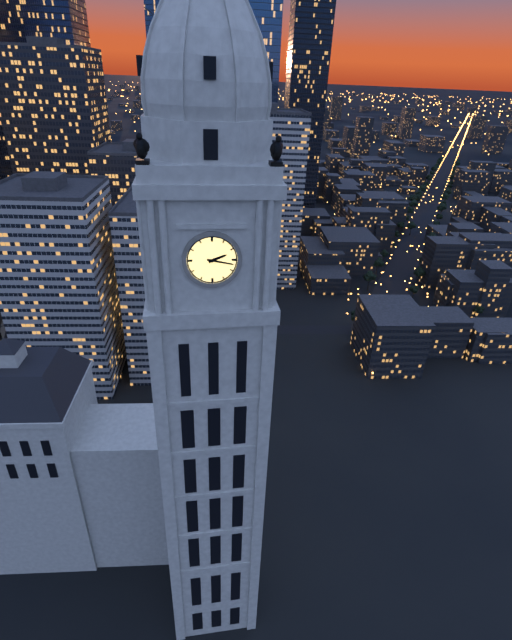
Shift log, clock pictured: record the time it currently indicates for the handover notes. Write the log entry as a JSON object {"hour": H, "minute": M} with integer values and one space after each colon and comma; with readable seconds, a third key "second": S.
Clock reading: {"hour": 2, "minute": 17}
